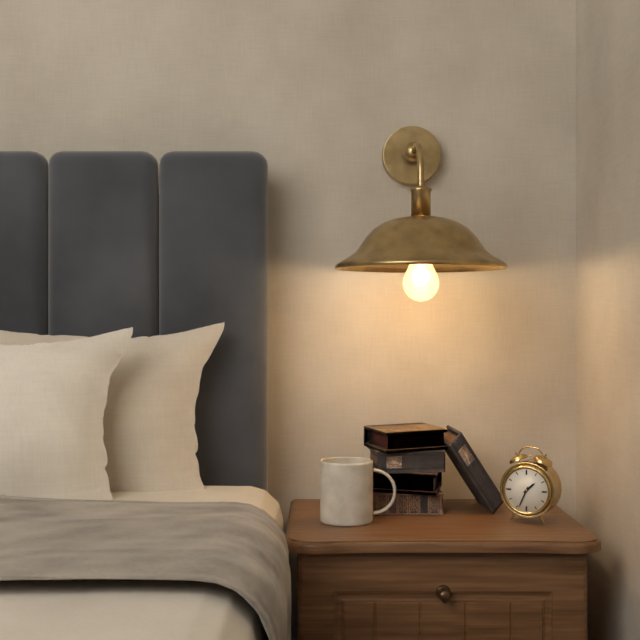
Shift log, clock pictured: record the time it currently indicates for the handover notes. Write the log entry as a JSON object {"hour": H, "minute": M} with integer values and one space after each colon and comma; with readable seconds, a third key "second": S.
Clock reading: {"hour": 1, "minute": 34}
